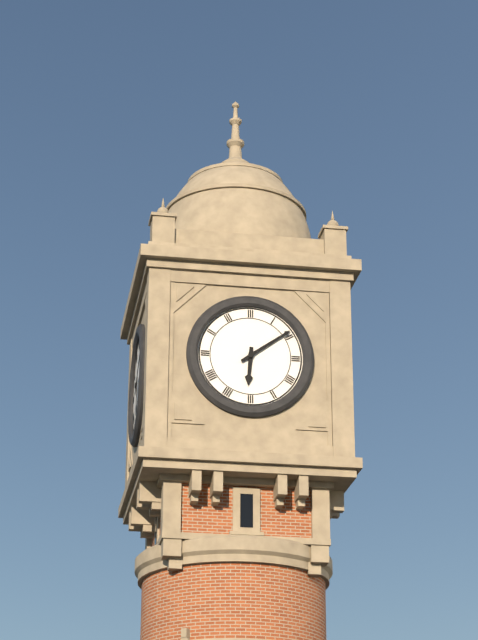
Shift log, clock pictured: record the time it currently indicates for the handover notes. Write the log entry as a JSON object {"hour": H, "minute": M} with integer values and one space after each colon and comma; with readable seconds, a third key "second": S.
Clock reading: {"hour": 6, "minute": 9}
